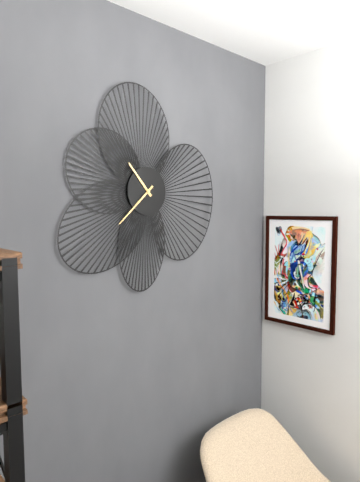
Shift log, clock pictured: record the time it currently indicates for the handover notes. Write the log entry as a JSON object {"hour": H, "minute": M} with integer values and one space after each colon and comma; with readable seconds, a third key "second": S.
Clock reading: {"hour": 10, "minute": 38}
